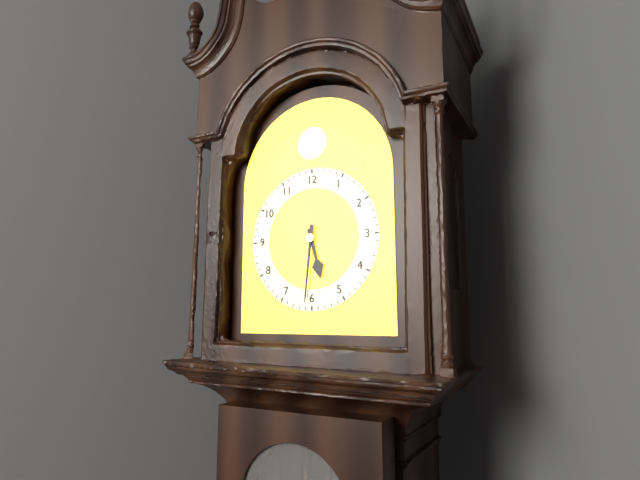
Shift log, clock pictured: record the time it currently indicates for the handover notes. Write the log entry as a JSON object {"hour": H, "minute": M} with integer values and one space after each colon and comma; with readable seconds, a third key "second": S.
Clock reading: {"hour": 5, "minute": 31}
